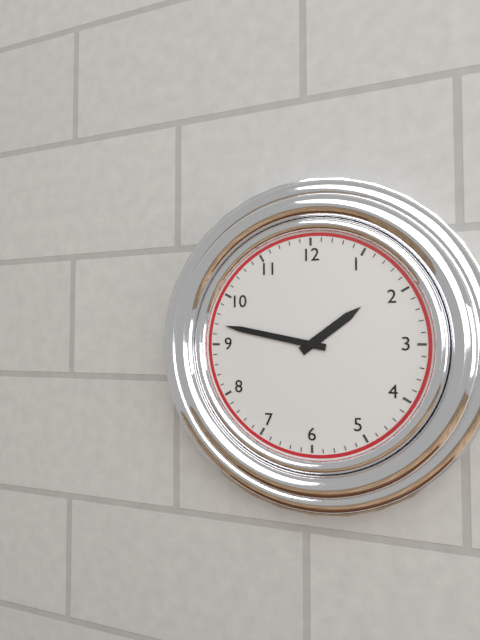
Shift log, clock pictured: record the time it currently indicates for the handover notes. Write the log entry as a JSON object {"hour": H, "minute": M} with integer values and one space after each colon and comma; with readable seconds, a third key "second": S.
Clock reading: {"hour": 1, "minute": 47}
